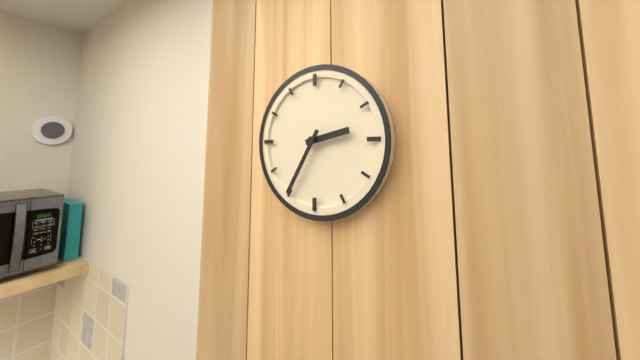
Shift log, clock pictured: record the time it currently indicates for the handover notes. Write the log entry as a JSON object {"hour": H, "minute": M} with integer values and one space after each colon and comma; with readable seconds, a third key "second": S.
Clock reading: {"hour": 2, "minute": 35}
